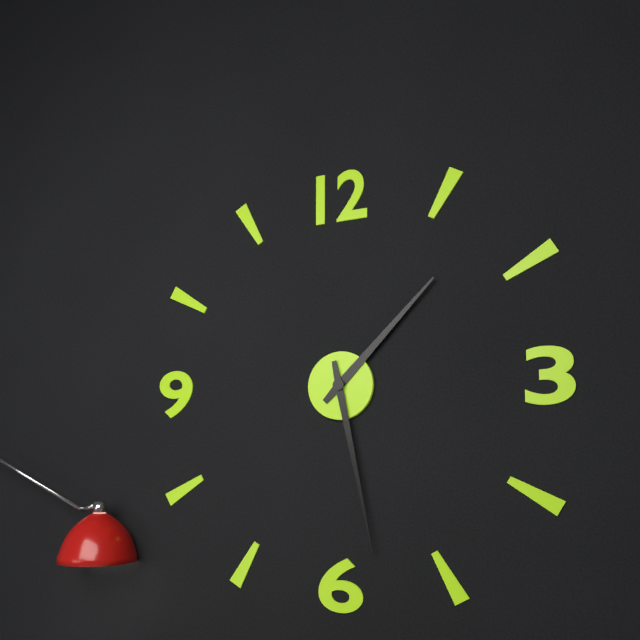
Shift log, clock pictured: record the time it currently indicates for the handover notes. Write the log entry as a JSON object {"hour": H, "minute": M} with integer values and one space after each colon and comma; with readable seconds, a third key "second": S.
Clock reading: {"hour": 1, "minute": 28}
